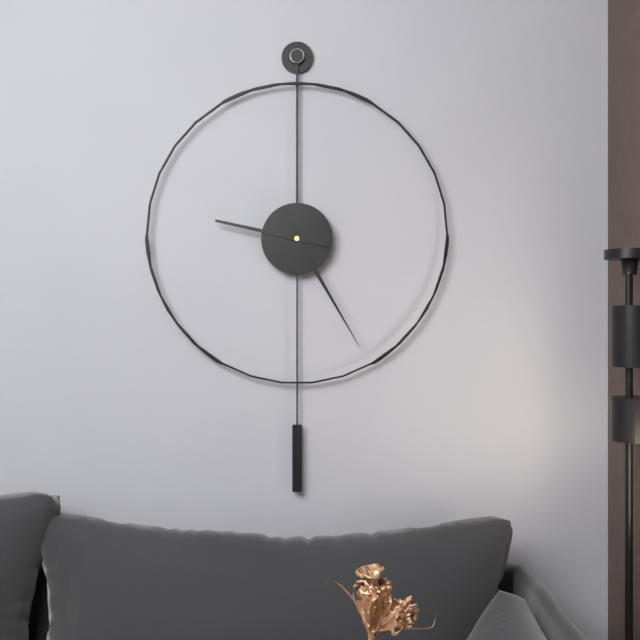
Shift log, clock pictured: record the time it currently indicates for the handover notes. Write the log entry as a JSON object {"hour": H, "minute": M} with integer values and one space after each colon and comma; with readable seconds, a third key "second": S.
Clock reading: {"hour": 9, "minute": 25}
